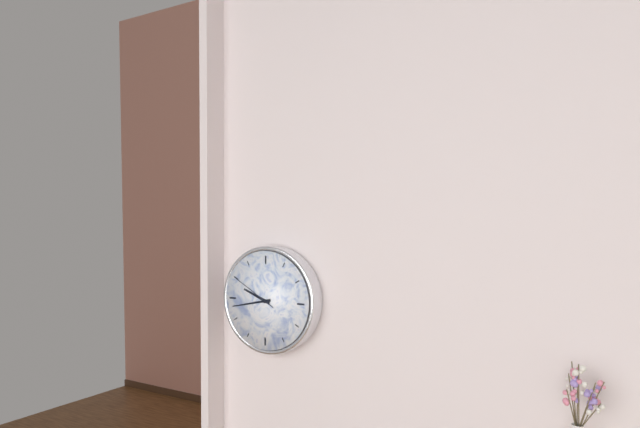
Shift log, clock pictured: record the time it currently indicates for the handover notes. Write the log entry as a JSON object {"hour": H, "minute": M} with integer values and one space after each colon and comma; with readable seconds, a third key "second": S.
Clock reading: {"hour": 9, "minute": 43}
